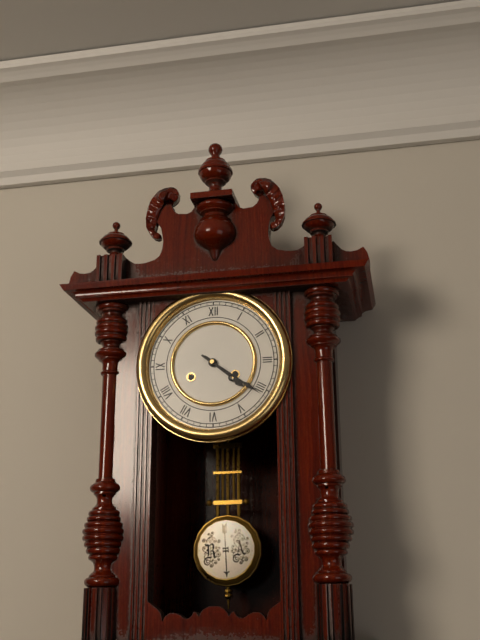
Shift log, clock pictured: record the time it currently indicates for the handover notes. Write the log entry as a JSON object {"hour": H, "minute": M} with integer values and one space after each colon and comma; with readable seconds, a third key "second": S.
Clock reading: {"hour": 4, "minute": 21}
